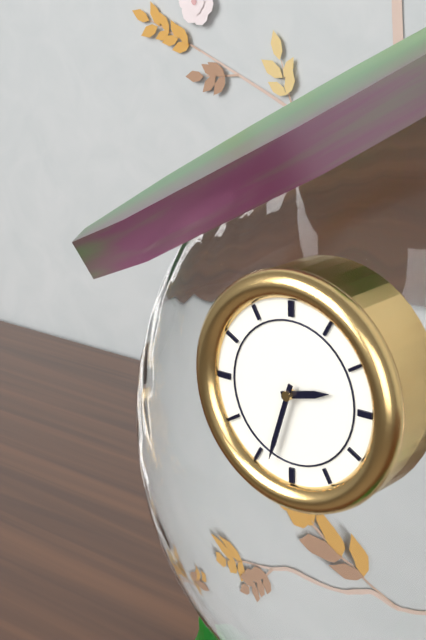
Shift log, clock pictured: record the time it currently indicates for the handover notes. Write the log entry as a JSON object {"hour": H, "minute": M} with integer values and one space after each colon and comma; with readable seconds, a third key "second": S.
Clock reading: {"hour": 2, "minute": 33}
